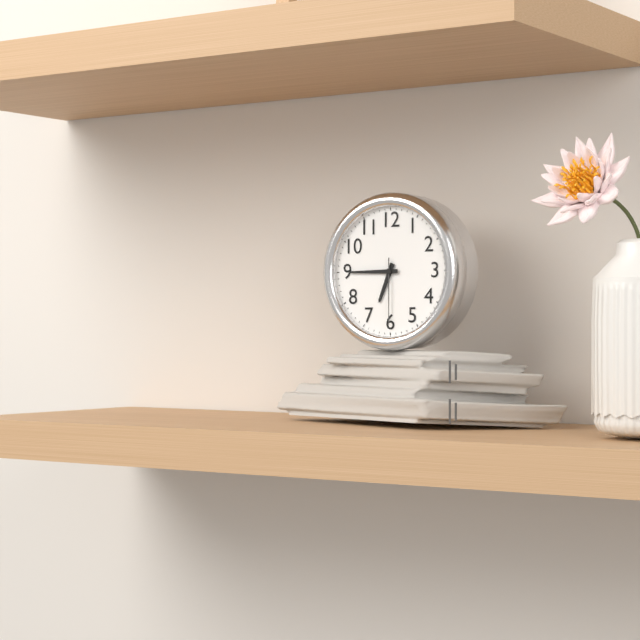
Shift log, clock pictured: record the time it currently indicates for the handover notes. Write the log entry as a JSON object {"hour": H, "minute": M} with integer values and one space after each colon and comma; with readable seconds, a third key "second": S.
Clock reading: {"hour": 6, "minute": 45, "second": 30}
